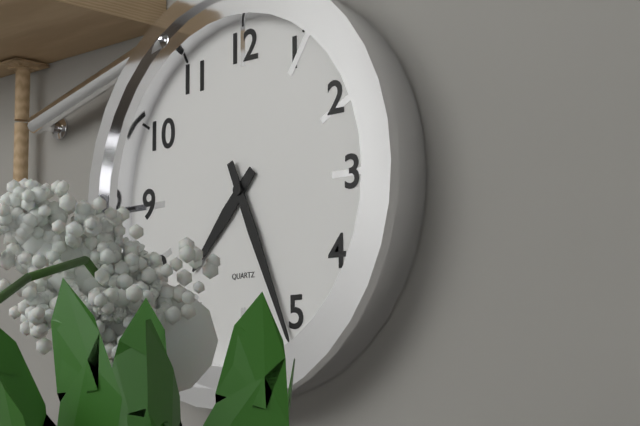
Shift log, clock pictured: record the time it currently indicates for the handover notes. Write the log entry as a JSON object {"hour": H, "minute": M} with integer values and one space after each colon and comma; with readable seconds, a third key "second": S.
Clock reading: {"hour": 7, "minute": 26}
